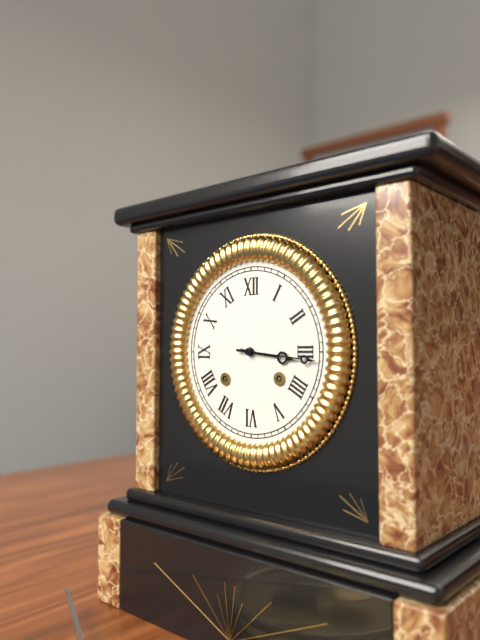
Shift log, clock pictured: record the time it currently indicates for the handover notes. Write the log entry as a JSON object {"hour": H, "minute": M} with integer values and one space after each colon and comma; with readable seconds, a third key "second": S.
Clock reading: {"hour": 3, "minute": 16}
